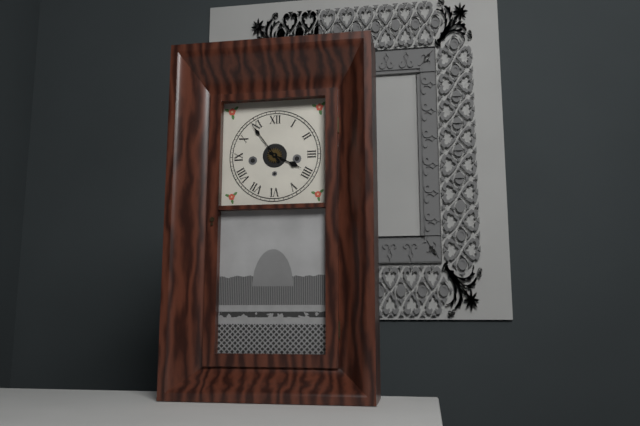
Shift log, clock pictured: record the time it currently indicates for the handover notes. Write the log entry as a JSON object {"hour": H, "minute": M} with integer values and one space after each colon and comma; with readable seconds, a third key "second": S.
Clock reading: {"hour": 3, "minute": 54}
